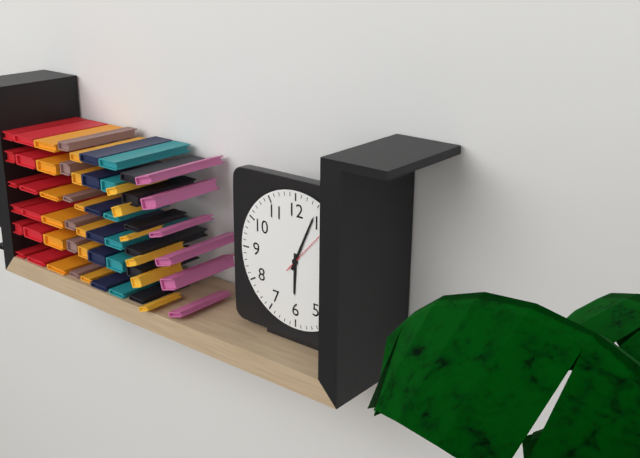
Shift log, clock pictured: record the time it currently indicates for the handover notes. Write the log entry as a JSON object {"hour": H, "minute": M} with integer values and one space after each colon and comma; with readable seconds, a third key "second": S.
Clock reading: {"hour": 6, "minute": 4, "second": 7}
